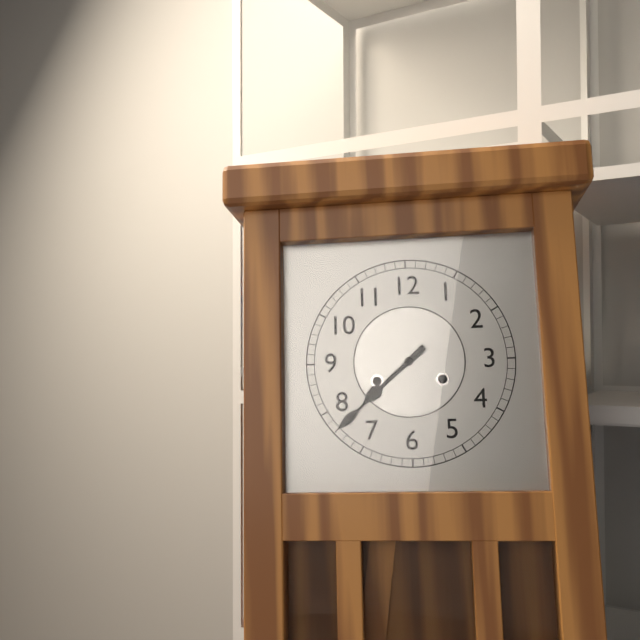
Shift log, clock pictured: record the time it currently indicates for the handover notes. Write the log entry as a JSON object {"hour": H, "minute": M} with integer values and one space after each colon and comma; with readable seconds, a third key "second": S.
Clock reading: {"hour": 7, "minute": 38}
